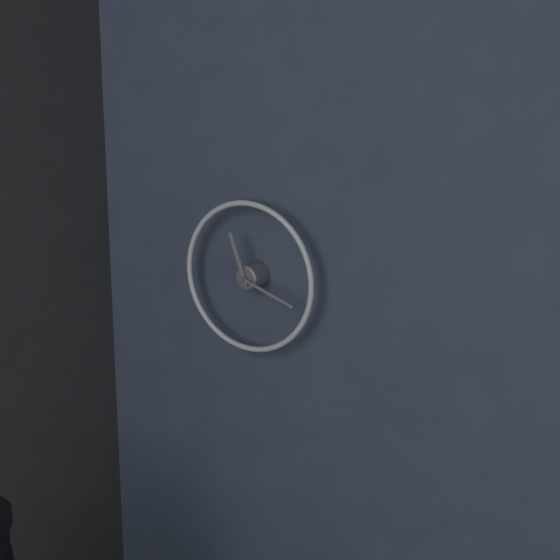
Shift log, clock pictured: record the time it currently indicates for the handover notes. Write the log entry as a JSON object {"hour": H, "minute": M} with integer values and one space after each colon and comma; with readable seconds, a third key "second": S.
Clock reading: {"hour": 11, "minute": 18}
